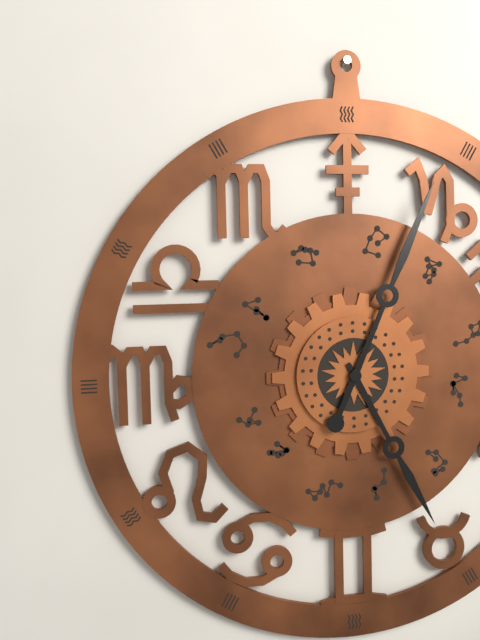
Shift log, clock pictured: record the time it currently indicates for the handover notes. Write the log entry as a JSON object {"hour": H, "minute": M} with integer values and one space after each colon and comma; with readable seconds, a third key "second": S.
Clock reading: {"hour": 5, "minute": 4}
